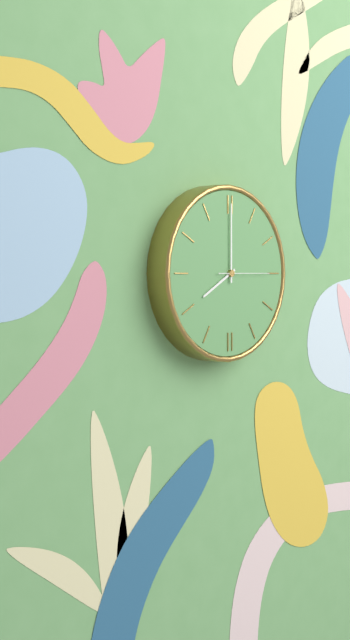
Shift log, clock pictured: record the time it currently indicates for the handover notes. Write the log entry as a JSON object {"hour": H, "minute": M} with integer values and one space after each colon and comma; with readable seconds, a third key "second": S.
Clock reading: {"hour": 8, "minute": 0, "second": 15}
